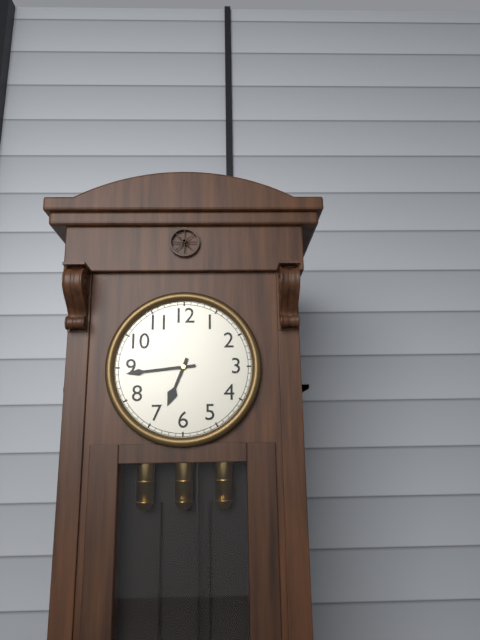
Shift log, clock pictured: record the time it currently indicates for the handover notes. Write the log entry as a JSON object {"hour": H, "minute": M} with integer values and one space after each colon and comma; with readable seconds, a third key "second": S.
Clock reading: {"hour": 6, "minute": 44}
